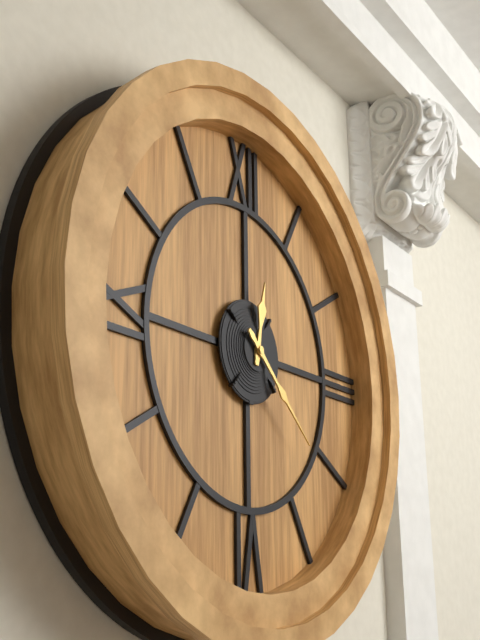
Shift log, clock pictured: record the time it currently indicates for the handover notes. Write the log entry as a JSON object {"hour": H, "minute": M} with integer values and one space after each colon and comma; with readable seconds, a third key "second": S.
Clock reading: {"hour": 12, "minute": 22}
